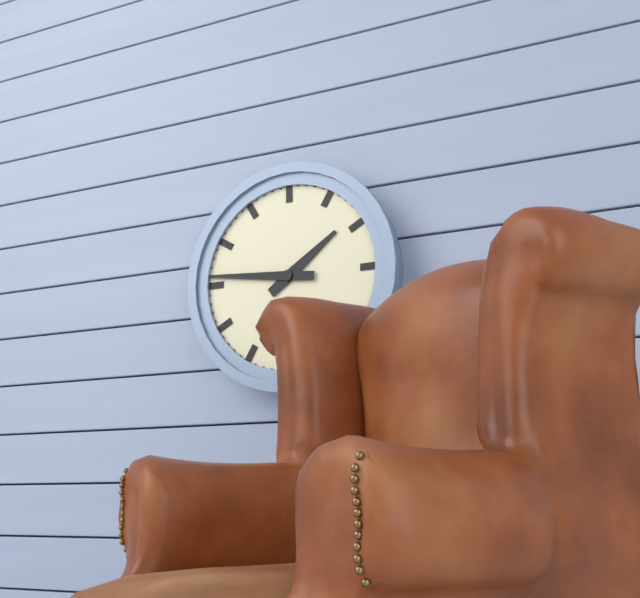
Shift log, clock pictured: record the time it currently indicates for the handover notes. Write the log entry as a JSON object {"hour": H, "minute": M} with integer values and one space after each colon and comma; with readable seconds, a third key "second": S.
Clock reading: {"hour": 1, "minute": 46}
